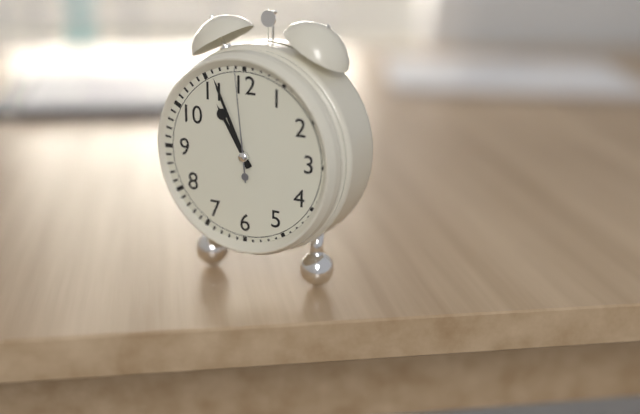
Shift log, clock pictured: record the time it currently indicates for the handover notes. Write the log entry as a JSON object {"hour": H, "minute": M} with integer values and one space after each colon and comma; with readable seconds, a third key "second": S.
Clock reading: {"hour": 10, "minute": 56, "second": 59}
